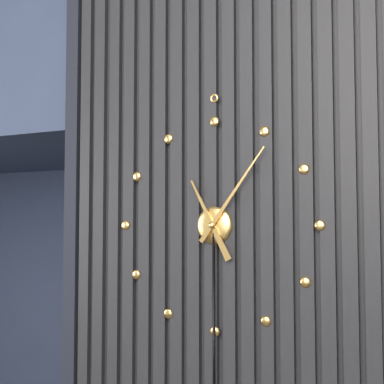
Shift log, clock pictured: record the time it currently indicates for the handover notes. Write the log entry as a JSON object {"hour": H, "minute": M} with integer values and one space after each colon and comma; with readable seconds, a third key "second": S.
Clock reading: {"hour": 11, "minute": 6}
